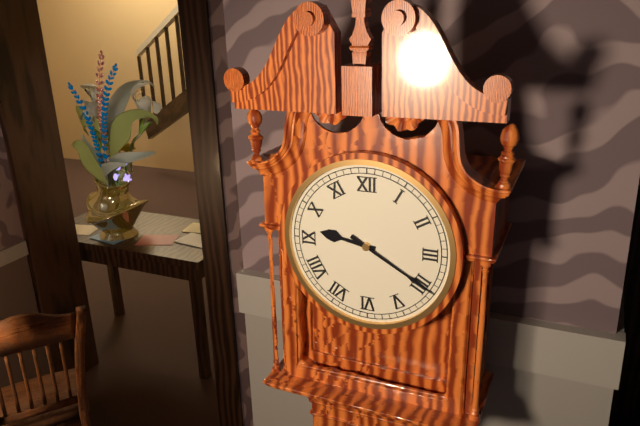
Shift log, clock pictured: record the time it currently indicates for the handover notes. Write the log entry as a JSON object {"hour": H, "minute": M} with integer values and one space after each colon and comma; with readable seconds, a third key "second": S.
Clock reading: {"hour": 9, "minute": 20}
